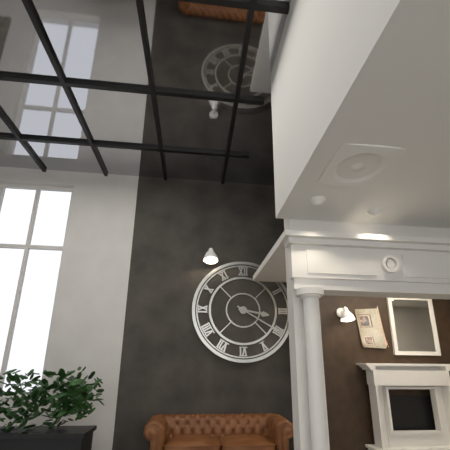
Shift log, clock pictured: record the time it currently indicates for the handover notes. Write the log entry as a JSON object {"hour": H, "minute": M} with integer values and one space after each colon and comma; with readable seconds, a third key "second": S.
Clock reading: {"hour": 3, "minute": 20}
